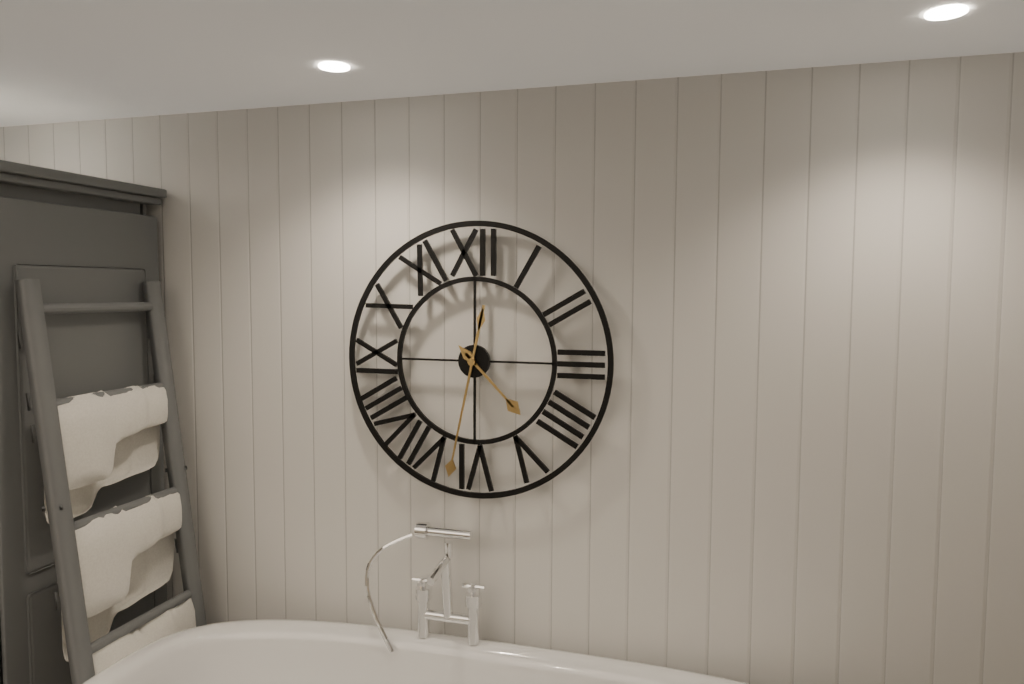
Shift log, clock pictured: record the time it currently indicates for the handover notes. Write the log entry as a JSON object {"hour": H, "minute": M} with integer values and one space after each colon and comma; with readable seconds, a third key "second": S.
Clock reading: {"hour": 4, "minute": 32}
